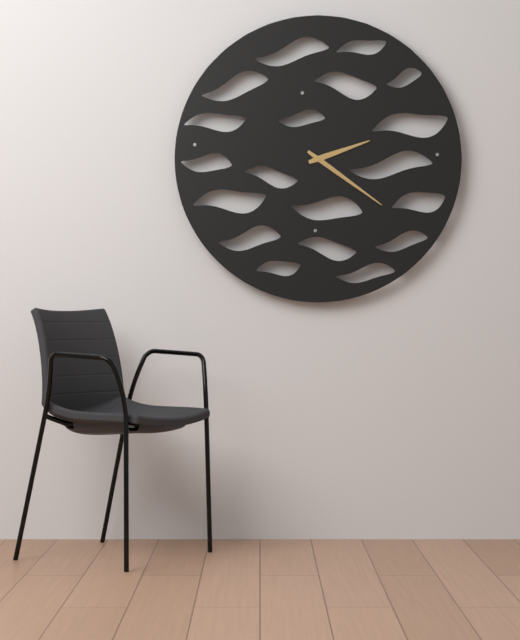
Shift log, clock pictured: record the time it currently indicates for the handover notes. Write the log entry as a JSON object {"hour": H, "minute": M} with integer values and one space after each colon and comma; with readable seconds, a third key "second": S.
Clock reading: {"hour": 2, "minute": 21}
